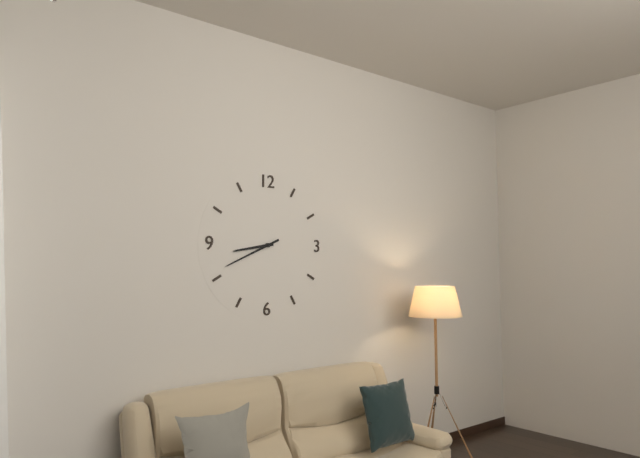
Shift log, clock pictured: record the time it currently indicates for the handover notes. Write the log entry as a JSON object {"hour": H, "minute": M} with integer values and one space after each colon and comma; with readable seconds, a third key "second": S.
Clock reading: {"hour": 8, "minute": 41}
